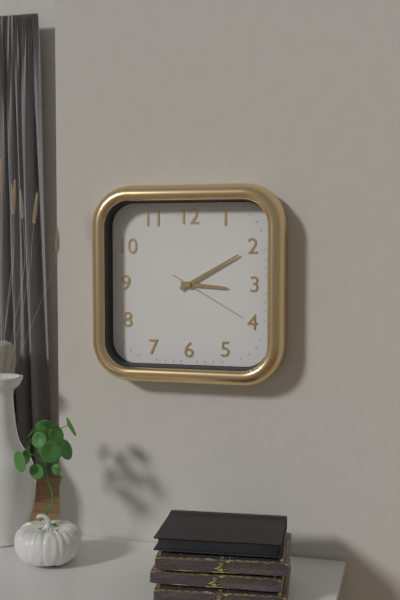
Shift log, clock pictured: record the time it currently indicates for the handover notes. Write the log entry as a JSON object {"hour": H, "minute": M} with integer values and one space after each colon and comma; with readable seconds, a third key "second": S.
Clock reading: {"hour": 3, "minute": 10, "second": 20}
